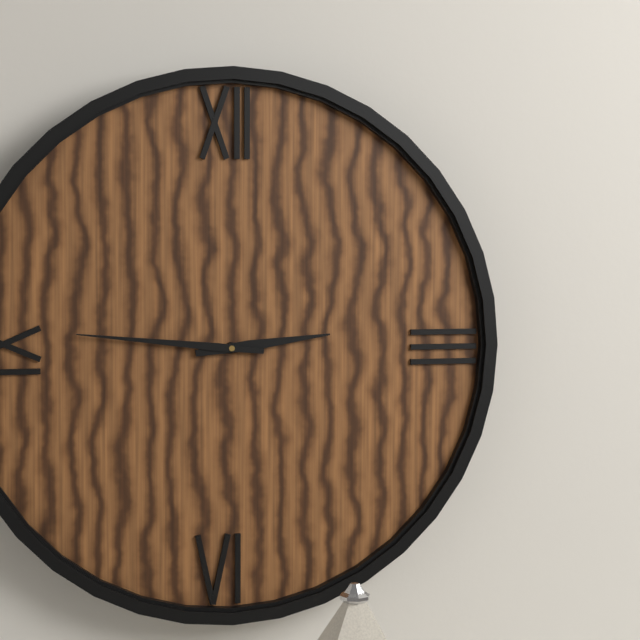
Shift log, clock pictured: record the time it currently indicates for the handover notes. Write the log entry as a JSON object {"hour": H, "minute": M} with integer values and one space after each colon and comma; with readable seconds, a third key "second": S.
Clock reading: {"hour": 2, "minute": 46}
